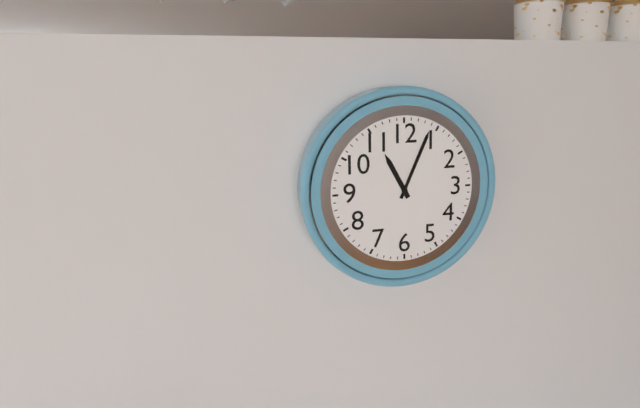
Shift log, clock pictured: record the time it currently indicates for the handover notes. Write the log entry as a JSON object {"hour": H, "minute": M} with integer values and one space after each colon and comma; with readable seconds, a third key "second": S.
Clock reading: {"hour": 11, "minute": 4}
